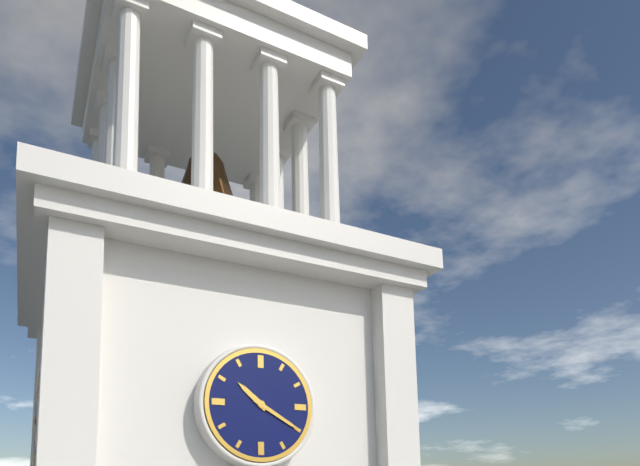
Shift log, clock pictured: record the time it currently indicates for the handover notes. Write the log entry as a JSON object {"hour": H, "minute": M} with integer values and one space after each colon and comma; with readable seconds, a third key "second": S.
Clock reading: {"hour": 10, "minute": 20}
